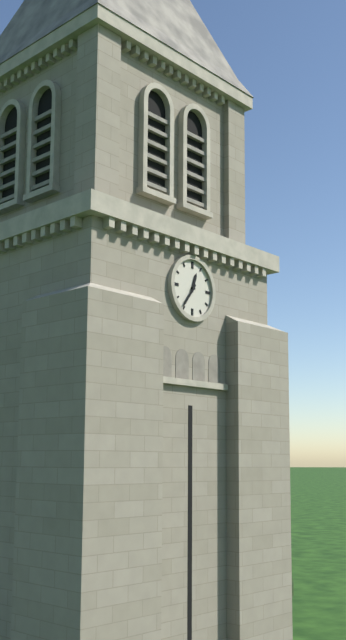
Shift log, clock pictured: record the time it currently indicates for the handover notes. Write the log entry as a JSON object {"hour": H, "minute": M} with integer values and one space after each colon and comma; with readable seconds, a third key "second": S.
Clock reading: {"hour": 12, "minute": 36}
